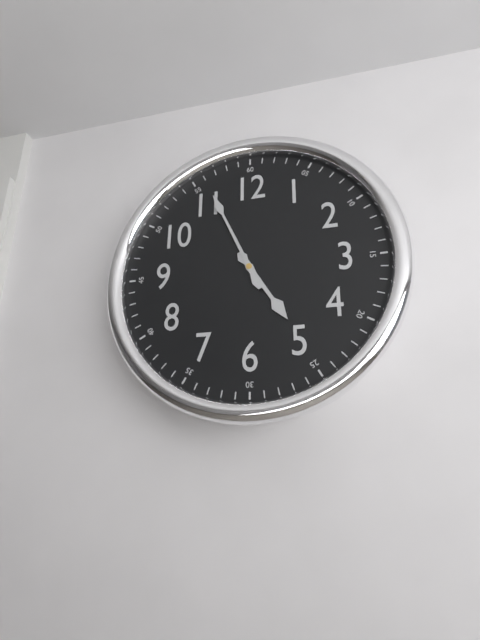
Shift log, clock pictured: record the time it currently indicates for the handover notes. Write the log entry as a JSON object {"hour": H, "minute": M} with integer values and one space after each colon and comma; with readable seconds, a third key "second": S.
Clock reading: {"hour": 4, "minute": 56}
